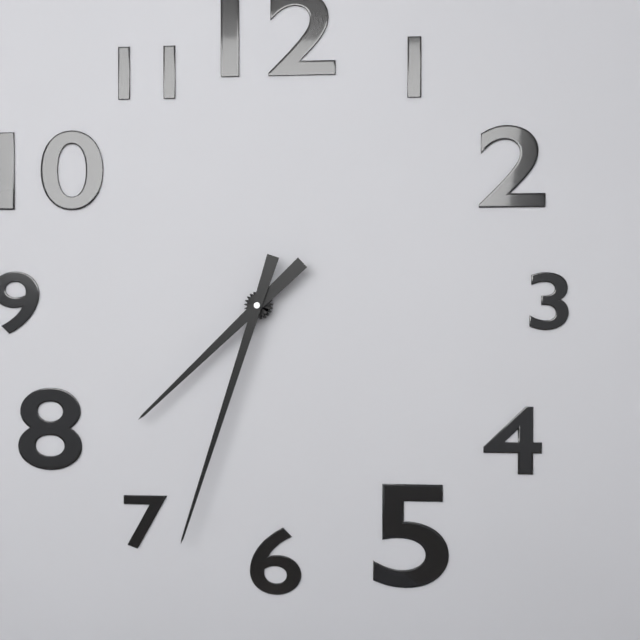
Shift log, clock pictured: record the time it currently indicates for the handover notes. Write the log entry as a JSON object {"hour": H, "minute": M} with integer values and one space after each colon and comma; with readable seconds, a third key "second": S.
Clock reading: {"hour": 7, "minute": 33}
